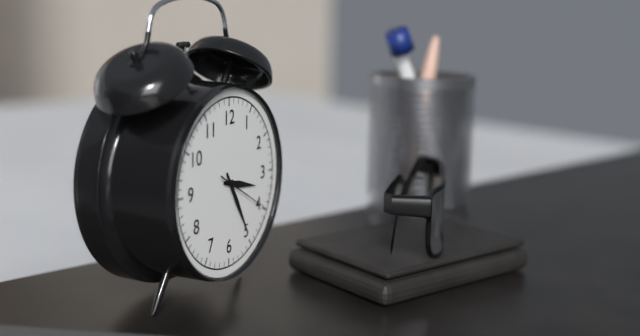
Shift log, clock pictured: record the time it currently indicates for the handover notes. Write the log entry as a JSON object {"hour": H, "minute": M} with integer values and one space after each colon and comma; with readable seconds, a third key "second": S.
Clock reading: {"hour": 3, "minute": 25, "second": 20}
